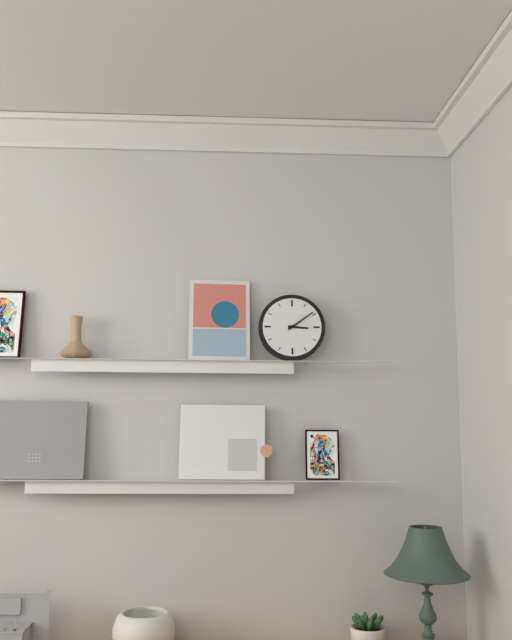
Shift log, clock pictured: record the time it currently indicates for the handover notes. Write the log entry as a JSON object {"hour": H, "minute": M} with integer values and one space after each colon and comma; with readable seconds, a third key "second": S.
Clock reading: {"hour": 3, "minute": 9}
